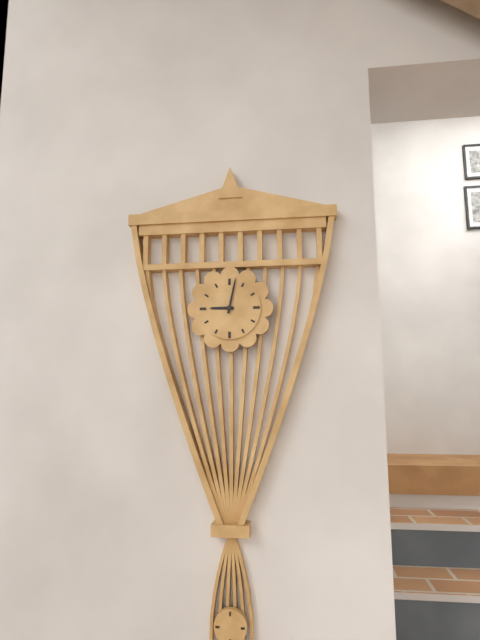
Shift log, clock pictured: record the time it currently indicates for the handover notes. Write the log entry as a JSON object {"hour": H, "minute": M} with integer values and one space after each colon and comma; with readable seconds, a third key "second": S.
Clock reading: {"hour": 9, "minute": 2}
